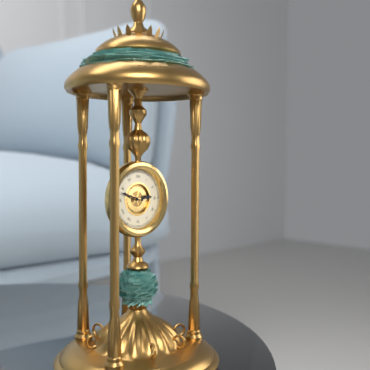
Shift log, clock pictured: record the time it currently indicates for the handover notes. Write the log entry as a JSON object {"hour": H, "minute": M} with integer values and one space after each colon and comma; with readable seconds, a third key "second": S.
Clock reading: {"hour": 2, "minute": 48}
